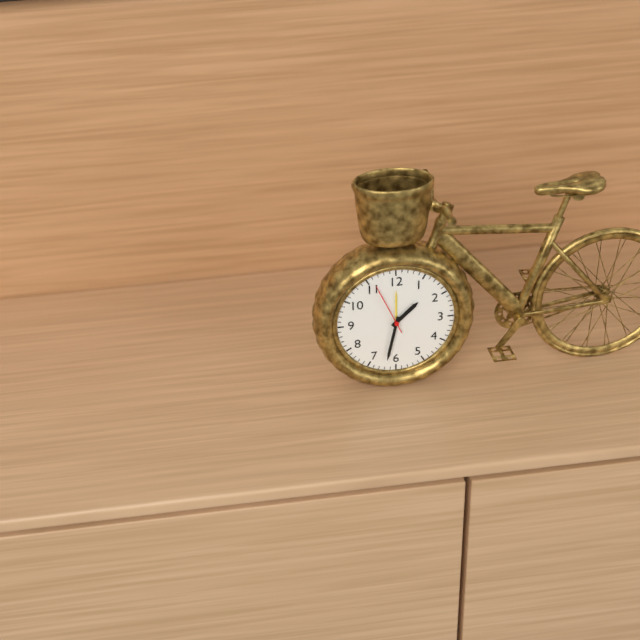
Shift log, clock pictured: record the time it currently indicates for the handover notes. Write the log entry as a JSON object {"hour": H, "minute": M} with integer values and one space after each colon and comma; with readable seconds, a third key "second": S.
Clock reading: {"hour": 1, "minute": 32, "second": 56}
